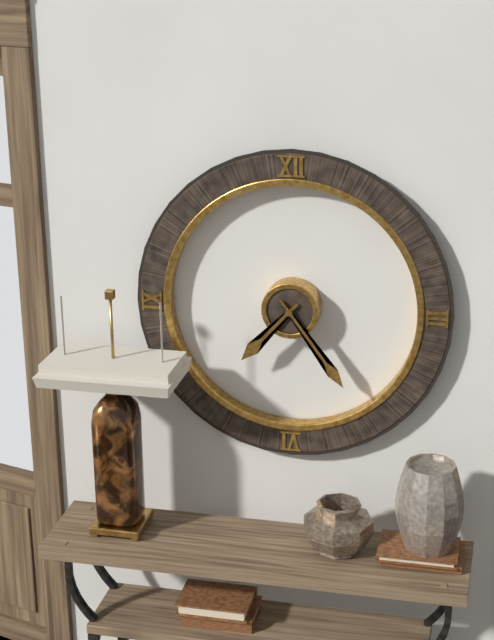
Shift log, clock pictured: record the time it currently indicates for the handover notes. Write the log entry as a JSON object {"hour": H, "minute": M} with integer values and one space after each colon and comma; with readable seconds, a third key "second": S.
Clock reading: {"hour": 7, "minute": 24}
